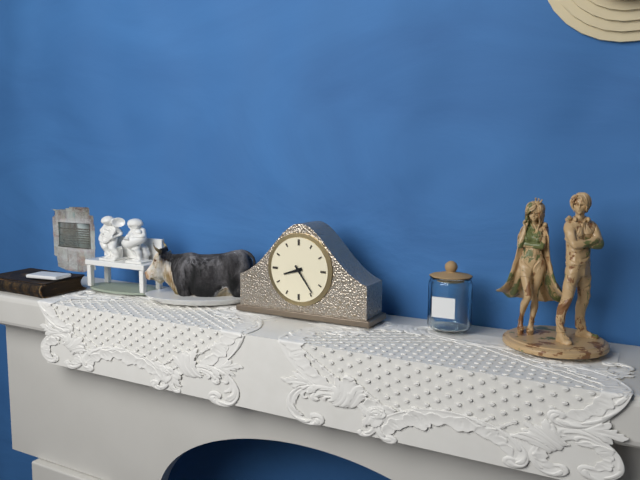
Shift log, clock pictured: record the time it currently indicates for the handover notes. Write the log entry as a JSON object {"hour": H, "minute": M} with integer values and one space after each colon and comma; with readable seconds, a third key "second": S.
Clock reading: {"hour": 8, "minute": 24}
